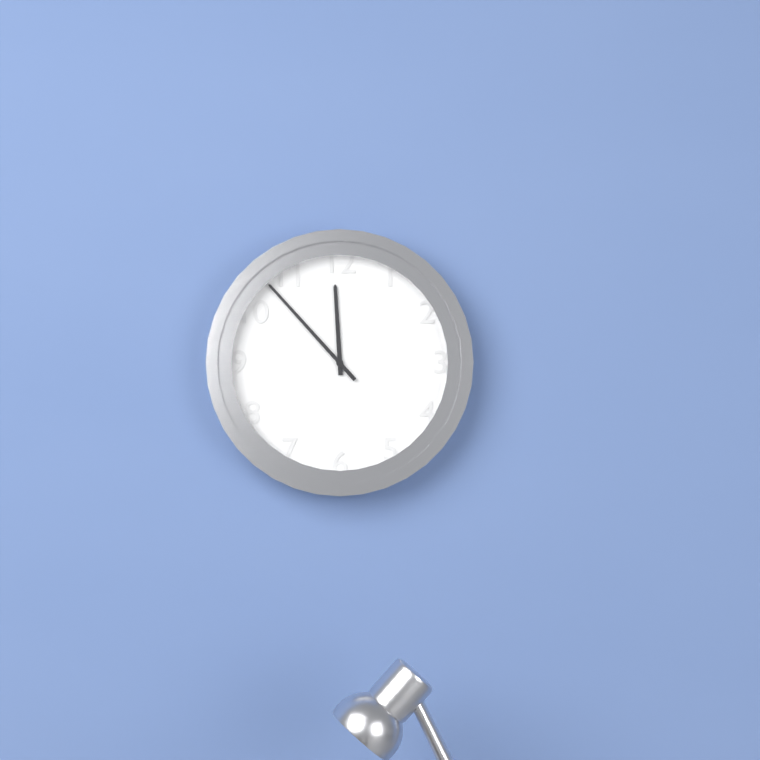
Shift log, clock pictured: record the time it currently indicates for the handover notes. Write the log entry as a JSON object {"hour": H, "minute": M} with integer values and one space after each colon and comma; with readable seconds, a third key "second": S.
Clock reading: {"hour": 11, "minute": 53}
